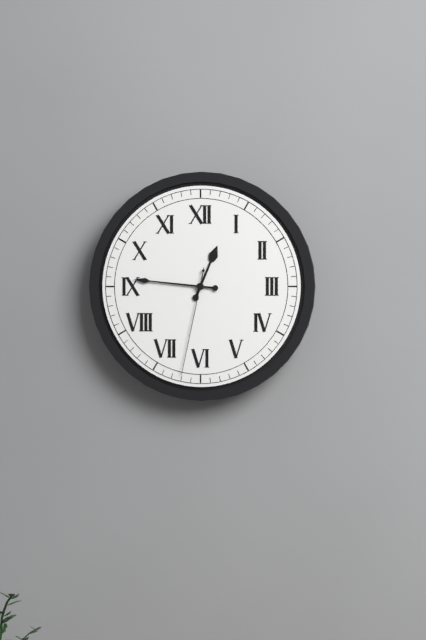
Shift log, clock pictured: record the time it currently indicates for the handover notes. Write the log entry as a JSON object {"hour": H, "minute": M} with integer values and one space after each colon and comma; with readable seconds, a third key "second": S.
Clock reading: {"hour": 12, "minute": 46, "second": 32}
